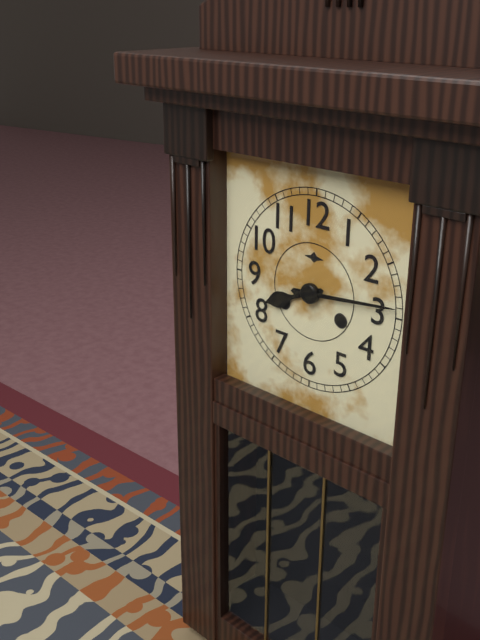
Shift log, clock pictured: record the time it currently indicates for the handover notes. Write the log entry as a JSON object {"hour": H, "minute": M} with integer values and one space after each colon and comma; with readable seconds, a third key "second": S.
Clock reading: {"hour": 8, "minute": 14}
